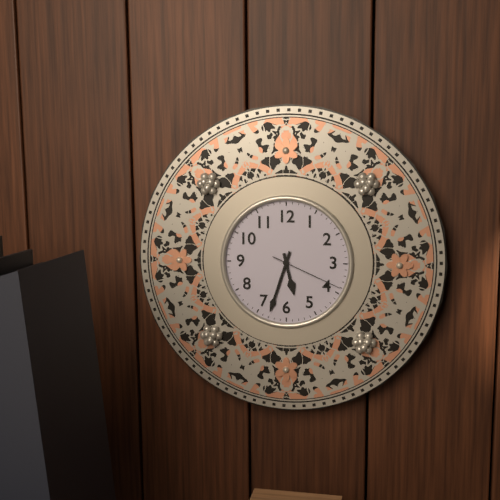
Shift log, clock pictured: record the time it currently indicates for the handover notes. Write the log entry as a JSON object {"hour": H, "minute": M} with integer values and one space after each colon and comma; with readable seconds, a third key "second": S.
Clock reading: {"hour": 5, "minute": 33, "second": 19}
